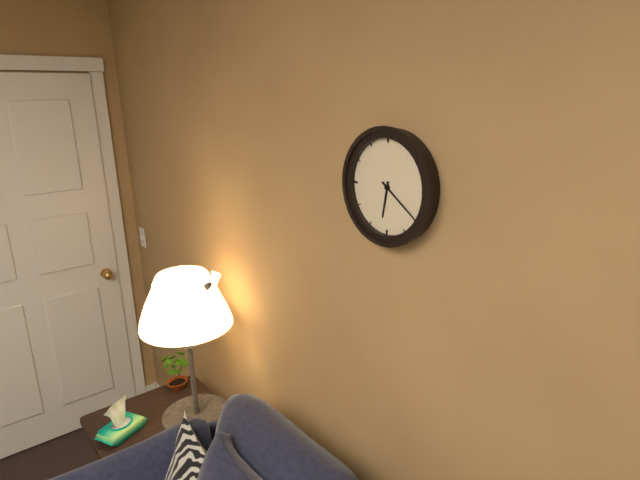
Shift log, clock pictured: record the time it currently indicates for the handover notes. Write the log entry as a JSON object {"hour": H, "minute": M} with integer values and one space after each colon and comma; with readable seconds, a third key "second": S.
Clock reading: {"hour": 6, "minute": 21}
